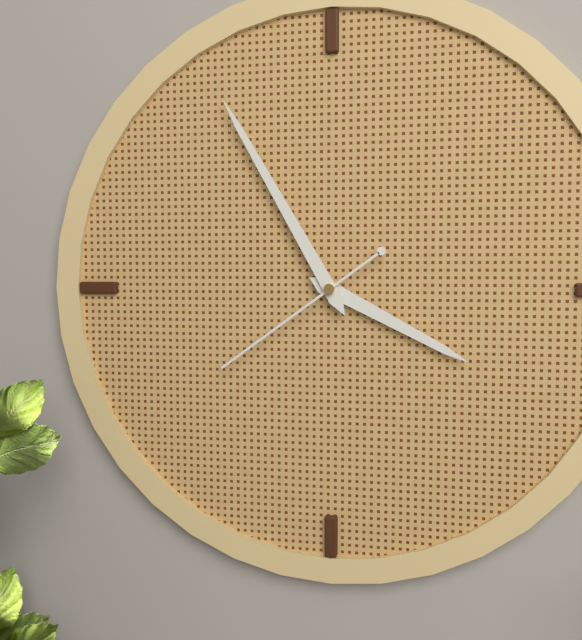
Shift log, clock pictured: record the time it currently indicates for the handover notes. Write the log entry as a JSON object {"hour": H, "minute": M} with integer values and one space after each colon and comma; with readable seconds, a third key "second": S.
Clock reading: {"hour": 3, "minute": 55, "second": 39}
